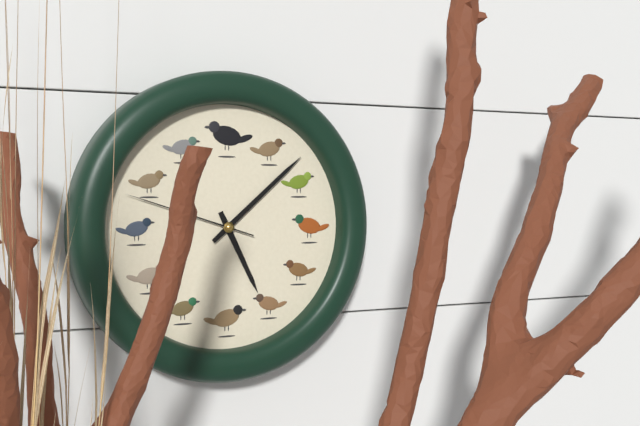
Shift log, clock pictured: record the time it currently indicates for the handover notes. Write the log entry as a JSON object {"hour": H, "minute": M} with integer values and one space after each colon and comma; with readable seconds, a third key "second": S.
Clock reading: {"hour": 5, "minute": 8, "second": 48}
